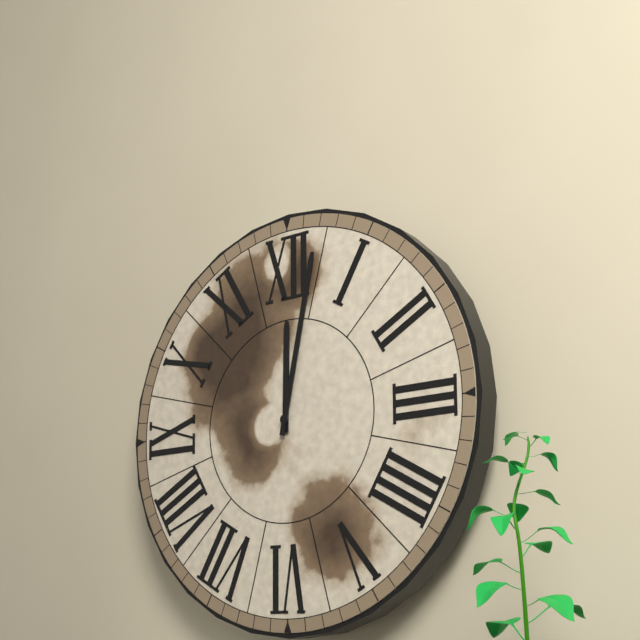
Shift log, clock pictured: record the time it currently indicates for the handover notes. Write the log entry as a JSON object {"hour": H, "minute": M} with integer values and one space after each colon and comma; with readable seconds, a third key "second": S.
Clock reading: {"hour": 12, "minute": 2}
